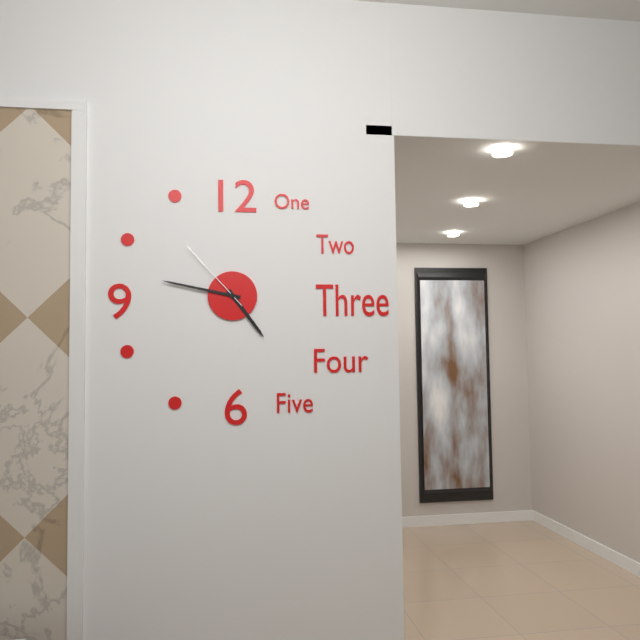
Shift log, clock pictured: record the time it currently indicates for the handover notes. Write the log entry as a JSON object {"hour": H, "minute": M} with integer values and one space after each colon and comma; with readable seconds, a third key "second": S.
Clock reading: {"hour": 4, "minute": 47, "second": 53}
